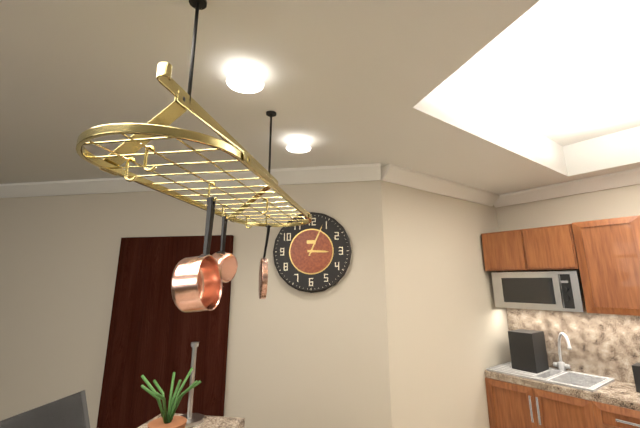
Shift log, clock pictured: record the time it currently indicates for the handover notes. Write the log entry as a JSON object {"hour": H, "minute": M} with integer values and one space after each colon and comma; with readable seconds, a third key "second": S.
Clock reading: {"hour": 3, "minute": 4}
